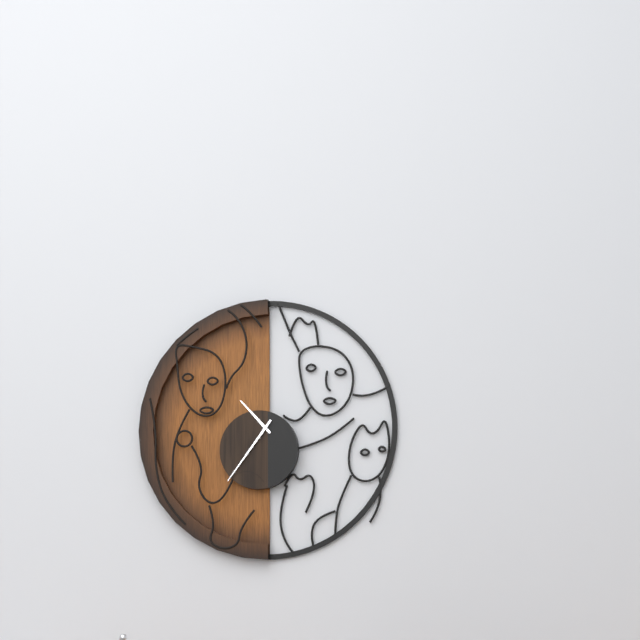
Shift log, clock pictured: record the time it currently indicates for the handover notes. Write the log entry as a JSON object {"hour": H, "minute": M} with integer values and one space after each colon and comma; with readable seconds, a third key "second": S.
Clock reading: {"hour": 10, "minute": 36}
